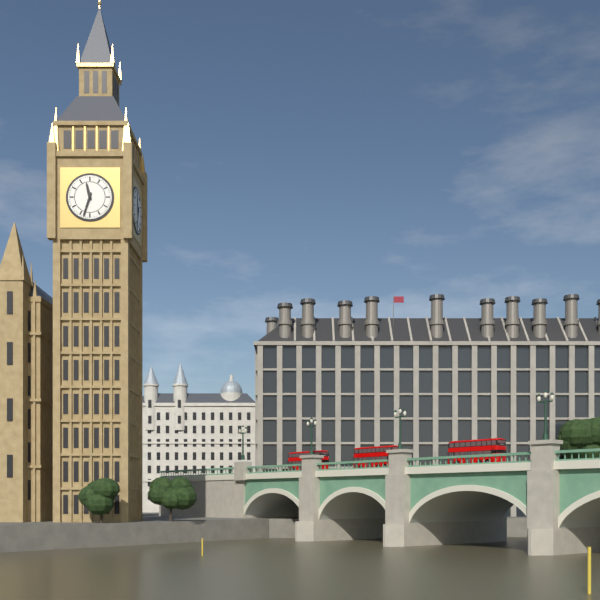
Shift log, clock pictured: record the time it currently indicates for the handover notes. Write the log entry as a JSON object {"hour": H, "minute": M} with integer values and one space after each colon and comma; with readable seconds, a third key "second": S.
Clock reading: {"hour": 11, "minute": 33}
